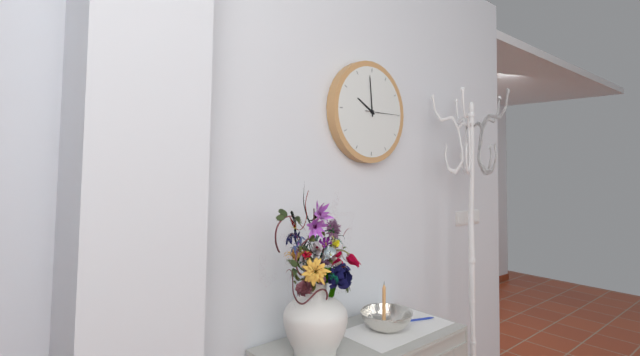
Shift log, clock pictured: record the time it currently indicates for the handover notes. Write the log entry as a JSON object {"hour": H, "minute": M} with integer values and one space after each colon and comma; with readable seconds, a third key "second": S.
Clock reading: {"hour": 9, "minute": 59}
